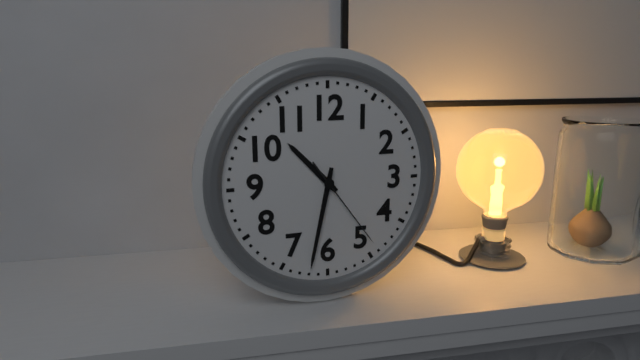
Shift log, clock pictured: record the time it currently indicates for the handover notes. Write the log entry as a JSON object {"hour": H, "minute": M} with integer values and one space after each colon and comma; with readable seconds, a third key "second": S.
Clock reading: {"hour": 10, "minute": 32, "second": 24}
